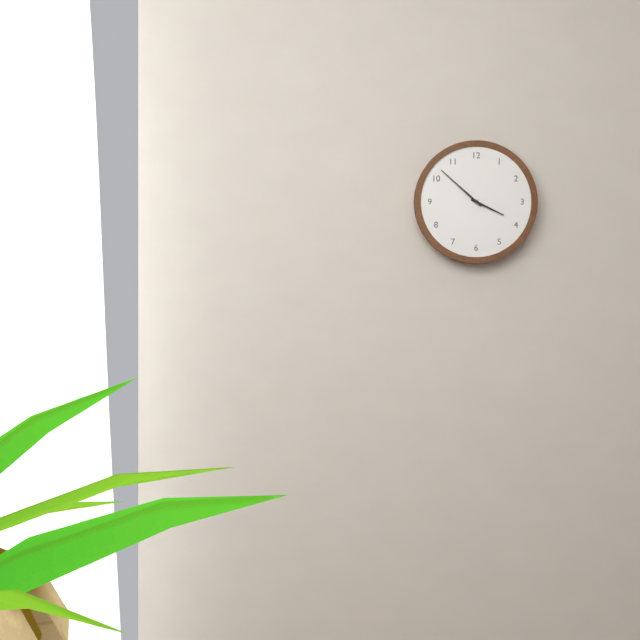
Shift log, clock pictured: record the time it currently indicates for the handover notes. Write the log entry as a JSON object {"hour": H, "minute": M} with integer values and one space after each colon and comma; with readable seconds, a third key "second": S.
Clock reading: {"hour": 3, "minute": 52}
